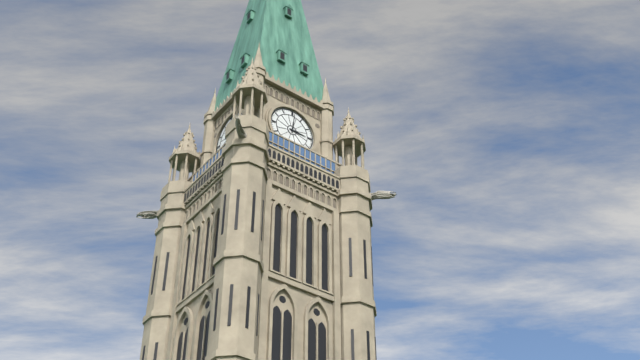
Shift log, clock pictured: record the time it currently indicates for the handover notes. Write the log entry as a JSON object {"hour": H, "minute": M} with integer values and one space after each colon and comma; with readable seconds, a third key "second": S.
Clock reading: {"hour": 3, "minute": 1}
